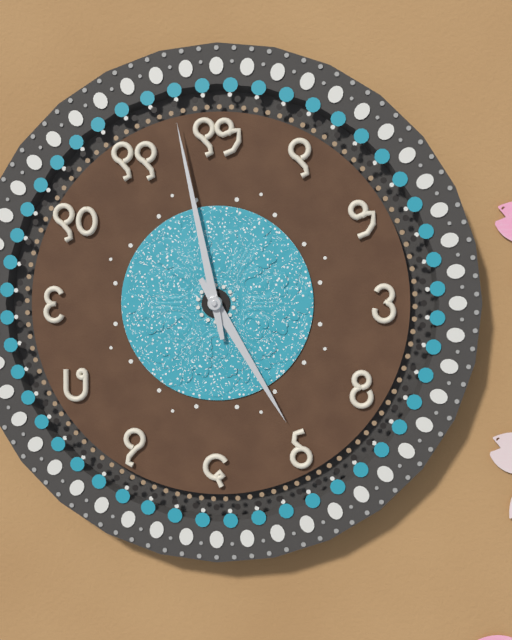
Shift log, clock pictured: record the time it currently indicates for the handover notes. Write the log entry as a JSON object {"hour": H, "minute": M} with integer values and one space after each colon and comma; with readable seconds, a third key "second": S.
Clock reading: {"hour": 4, "minute": 58}
